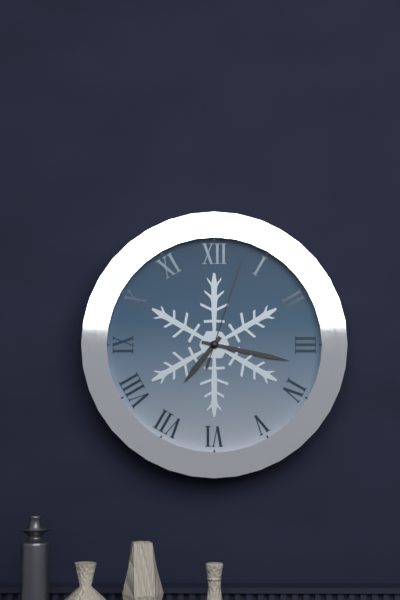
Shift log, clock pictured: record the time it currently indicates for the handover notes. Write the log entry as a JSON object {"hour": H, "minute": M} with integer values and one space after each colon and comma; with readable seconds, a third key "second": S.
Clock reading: {"hour": 7, "minute": 17, "second": 3}
